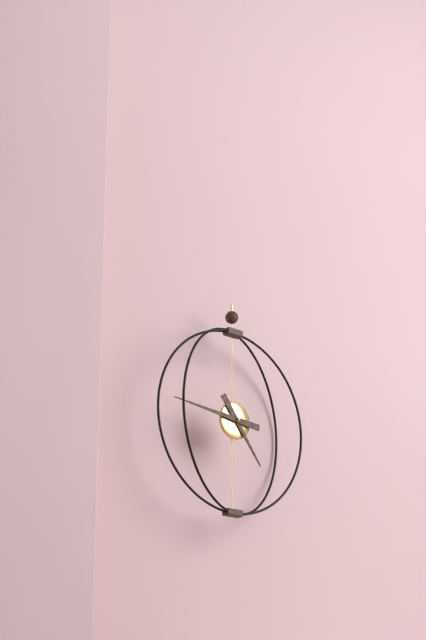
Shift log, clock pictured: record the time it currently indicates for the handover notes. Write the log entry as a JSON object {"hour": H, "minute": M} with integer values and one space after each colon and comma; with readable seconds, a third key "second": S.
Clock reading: {"hour": 4, "minute": 46}
